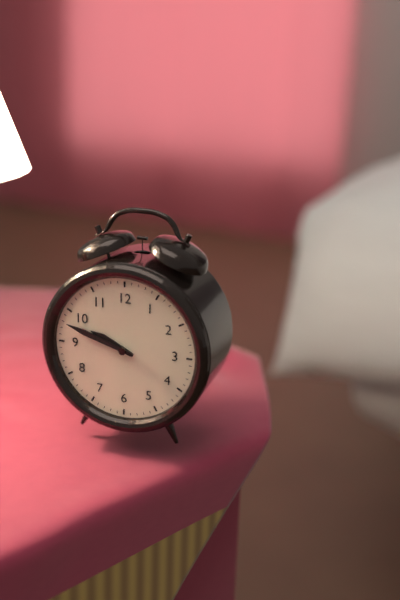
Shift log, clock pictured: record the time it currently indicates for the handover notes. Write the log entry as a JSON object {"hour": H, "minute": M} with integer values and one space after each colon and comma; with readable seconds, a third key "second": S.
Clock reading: {"hour": 9, "minute": 48}
